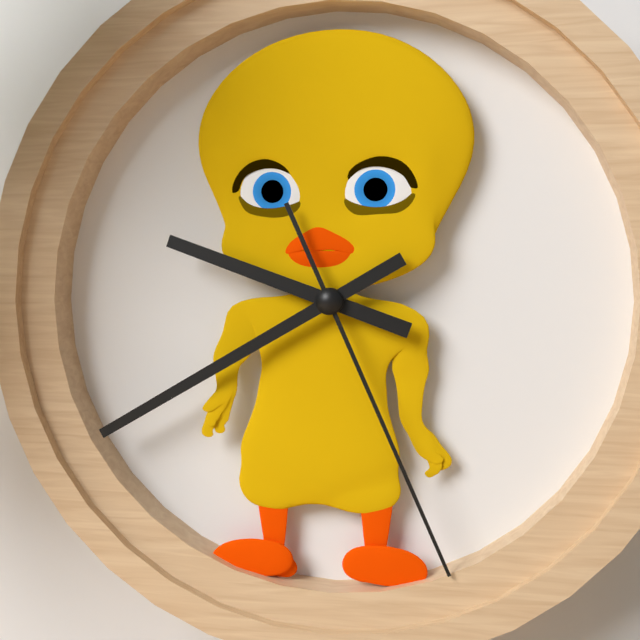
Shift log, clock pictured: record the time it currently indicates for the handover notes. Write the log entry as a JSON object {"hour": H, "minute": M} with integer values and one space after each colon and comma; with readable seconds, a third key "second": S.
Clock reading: {"hour": 9, "minute": 40, "second": 26}
